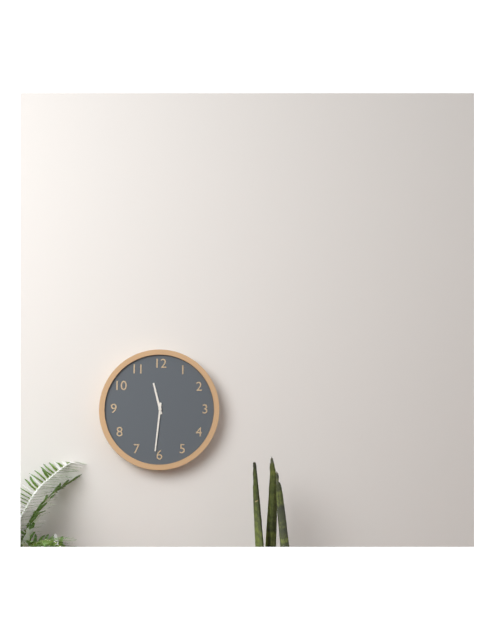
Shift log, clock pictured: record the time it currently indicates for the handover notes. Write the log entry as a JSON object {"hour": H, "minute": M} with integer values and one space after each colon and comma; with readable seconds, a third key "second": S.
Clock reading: {"hour": 11, "minute": 31}
